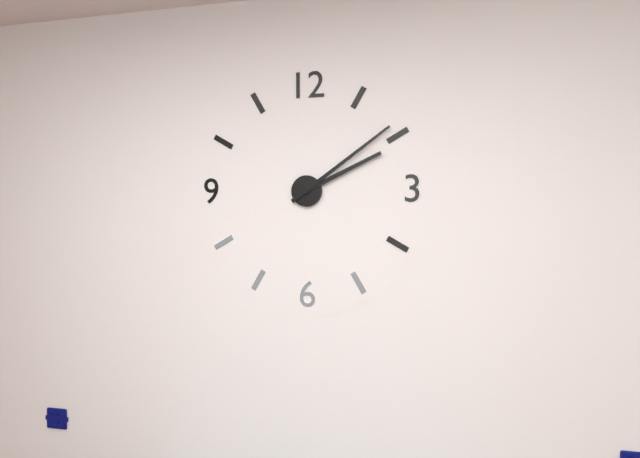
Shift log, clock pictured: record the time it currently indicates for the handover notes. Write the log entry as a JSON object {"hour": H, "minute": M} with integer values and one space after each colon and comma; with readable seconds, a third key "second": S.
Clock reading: {"hour": 2, "minute": 9}
